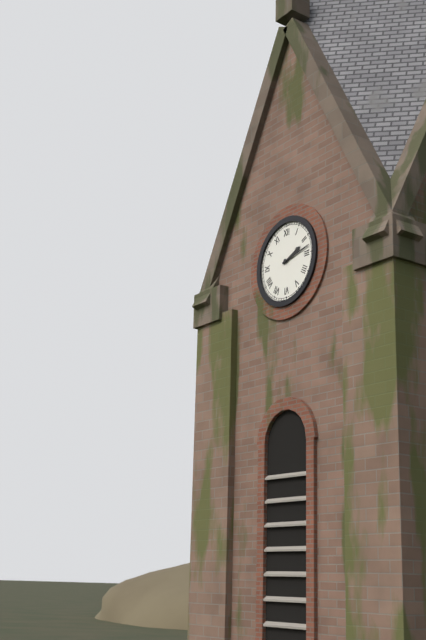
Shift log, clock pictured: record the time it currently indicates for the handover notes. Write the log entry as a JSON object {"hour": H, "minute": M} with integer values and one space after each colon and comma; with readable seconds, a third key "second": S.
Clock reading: {"hour": 2, "minute": 13}
